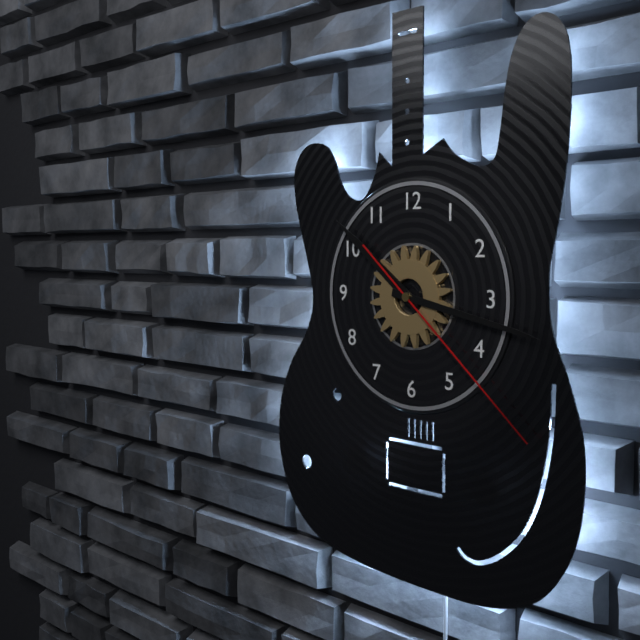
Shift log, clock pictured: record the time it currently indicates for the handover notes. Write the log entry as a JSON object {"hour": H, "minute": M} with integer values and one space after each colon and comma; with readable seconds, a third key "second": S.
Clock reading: {"hour": 10, "minute": 17, "second": 22}
